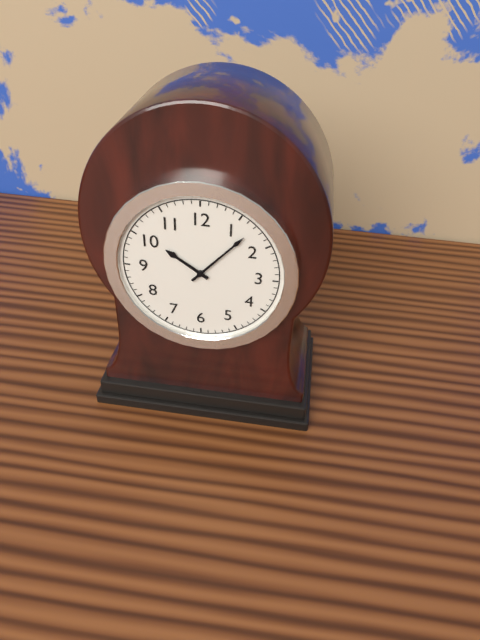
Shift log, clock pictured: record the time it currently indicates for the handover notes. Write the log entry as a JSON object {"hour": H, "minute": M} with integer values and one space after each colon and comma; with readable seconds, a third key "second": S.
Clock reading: {"hour": 10, "minute": 7}
